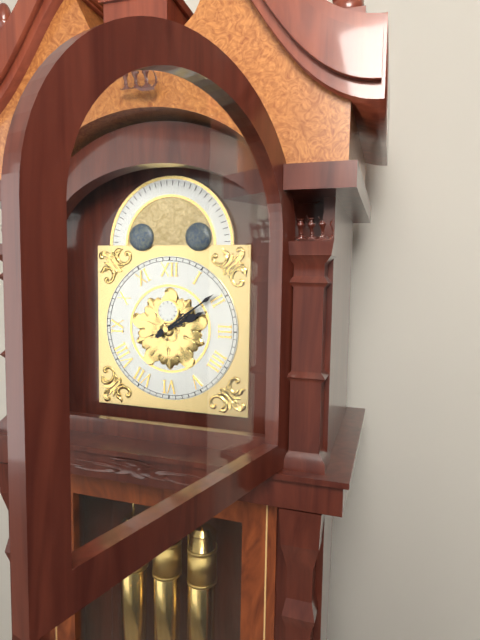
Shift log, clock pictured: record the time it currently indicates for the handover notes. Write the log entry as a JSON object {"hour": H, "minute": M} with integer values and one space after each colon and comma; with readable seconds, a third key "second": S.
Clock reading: {"hour": 2, "minute": 9}
